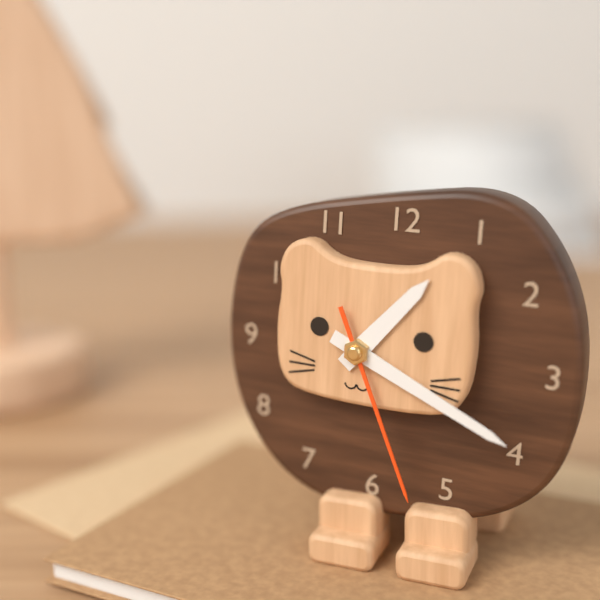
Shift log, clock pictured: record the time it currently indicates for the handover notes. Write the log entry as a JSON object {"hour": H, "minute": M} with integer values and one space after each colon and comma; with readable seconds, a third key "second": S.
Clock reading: {"hour": 1, "minute": 19, "second": 26}
